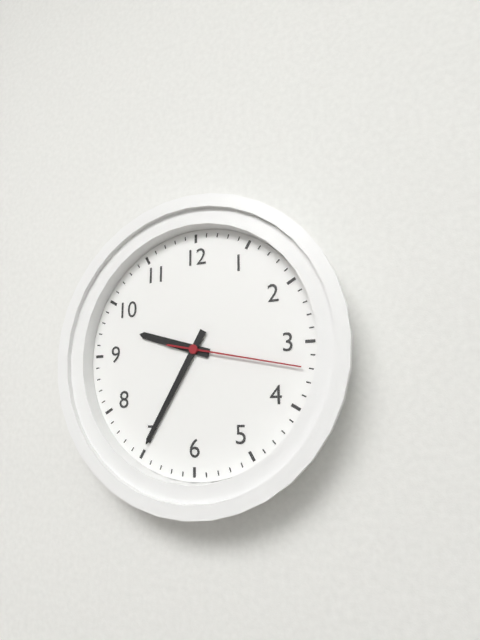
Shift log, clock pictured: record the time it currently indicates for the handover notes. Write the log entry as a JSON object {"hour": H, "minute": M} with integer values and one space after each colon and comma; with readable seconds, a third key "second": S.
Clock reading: {"hour": 9, "minute": 35, "second": 17}
